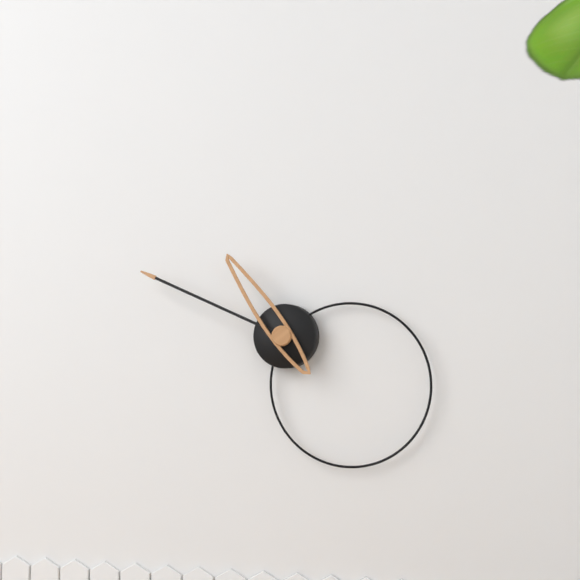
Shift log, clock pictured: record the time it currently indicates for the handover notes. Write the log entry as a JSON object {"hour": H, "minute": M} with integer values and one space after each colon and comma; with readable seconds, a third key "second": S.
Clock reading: {"hour": 10, "minute": 49}
